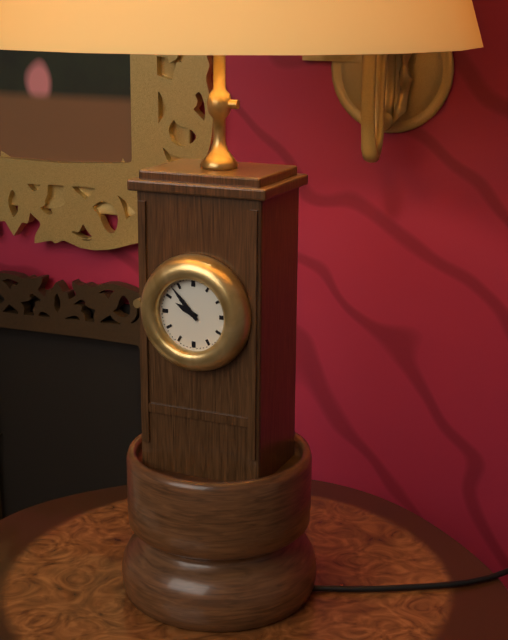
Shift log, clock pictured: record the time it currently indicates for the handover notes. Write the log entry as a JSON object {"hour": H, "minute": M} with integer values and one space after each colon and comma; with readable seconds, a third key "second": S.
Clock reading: {"hour": 9, "minute": 53}
